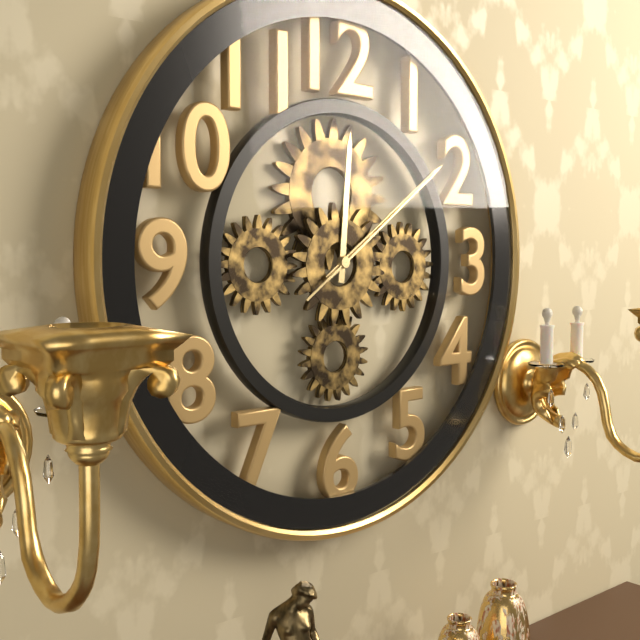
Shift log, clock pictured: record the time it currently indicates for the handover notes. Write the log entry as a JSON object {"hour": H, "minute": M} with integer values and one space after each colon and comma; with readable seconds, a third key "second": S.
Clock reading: {"hour": 12, "minute": 9, "second": 9}
